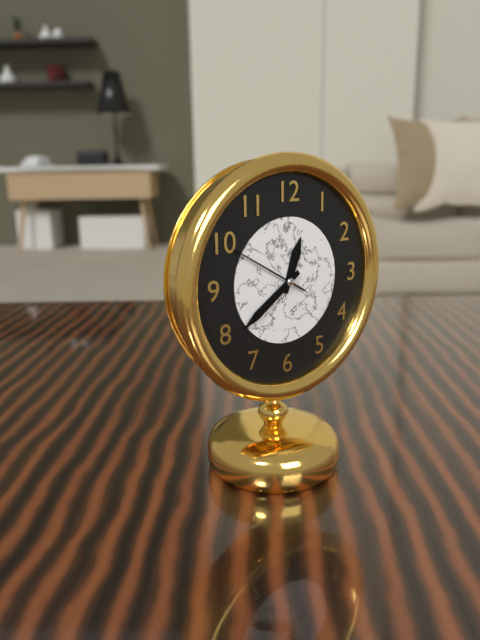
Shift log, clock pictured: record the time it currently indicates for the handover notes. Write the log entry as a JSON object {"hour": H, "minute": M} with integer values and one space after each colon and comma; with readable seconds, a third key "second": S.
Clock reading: {"hour": 12, "minute": 39, "second": 50}
